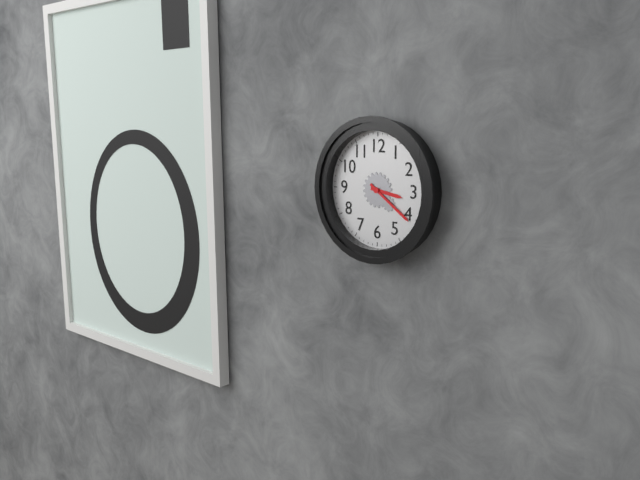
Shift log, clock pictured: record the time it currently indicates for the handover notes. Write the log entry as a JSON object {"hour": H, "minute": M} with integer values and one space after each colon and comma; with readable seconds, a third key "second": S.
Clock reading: {"hour": 3, "minute": 21}
